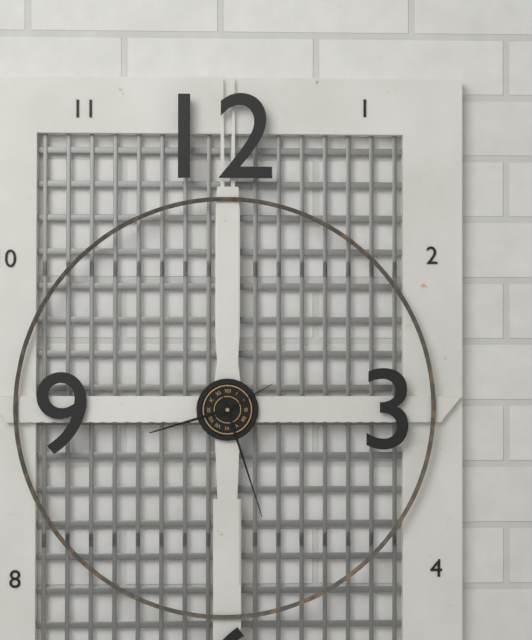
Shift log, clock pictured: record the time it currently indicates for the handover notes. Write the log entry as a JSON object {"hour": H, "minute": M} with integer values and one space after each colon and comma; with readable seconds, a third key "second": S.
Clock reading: {"hour": 8, "minute": 27, "second": 10}
